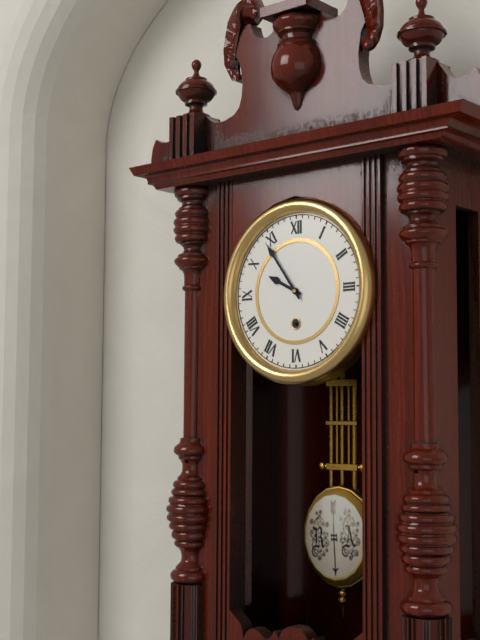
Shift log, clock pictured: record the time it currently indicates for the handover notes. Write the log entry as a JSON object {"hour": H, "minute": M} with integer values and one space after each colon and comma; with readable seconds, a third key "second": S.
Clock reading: {"hour": 9, "minute": 54}
